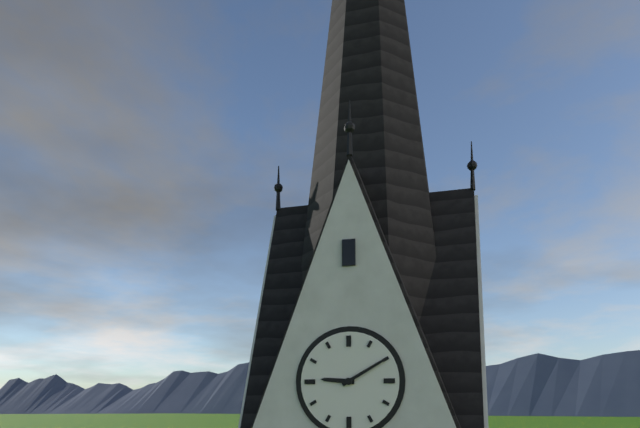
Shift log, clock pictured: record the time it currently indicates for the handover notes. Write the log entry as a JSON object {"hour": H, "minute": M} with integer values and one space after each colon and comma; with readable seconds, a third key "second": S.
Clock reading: {"hour": 9, "minute": 10}
